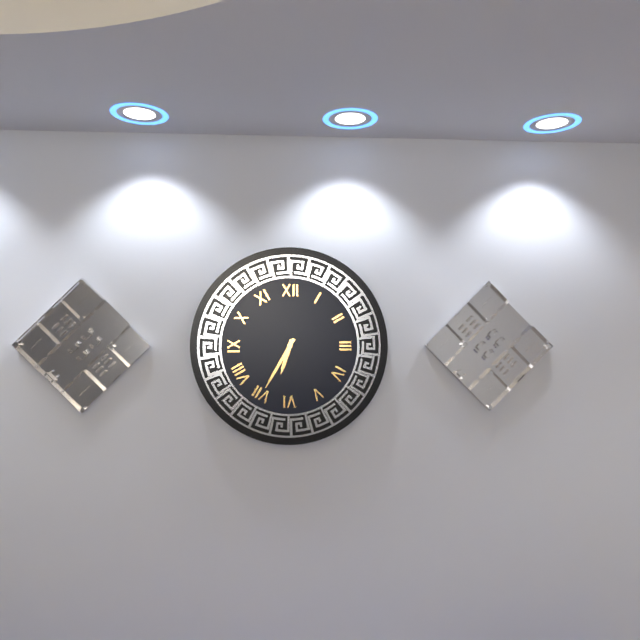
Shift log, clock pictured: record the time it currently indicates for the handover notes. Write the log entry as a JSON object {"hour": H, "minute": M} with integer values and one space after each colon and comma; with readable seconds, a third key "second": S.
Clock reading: {"hour": 6, "minute": 35}
